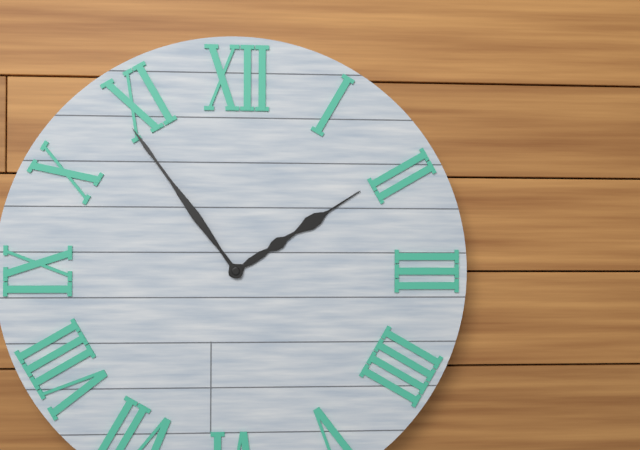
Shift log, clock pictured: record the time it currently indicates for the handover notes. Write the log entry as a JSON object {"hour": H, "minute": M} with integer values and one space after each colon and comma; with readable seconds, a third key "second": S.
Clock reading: {"hour": 1, "minute": 54}
